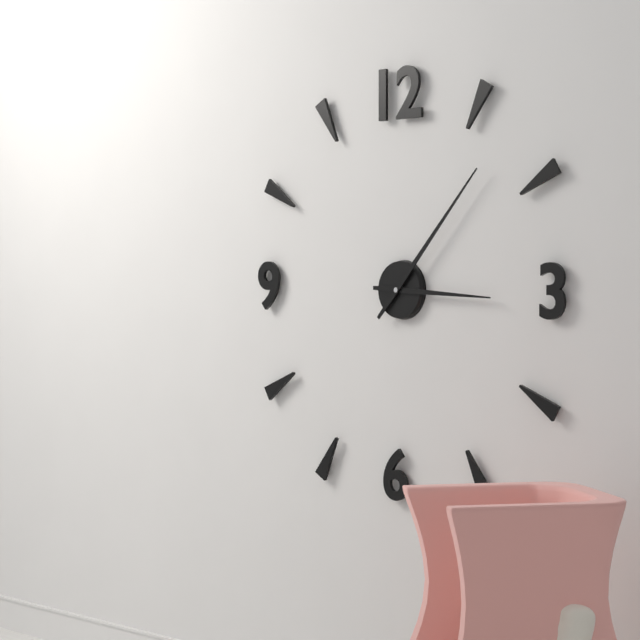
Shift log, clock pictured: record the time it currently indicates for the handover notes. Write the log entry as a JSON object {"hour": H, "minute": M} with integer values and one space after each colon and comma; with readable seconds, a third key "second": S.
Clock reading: {"hour": 3, "minute": 7}
